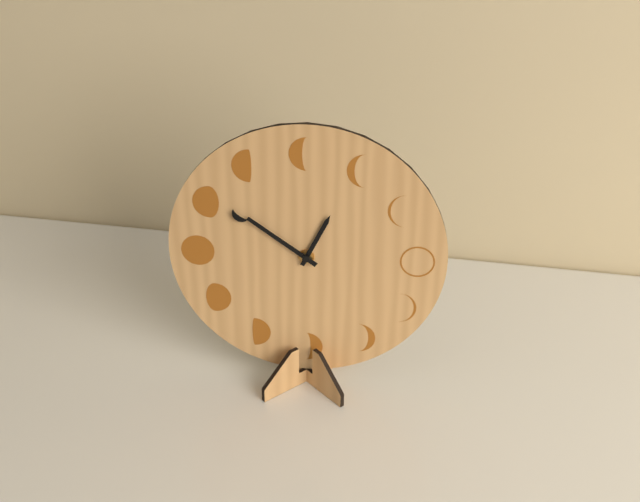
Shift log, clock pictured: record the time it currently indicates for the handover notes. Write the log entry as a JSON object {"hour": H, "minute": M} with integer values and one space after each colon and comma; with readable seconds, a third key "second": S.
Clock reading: {"hour": 12, "minute": 51}
